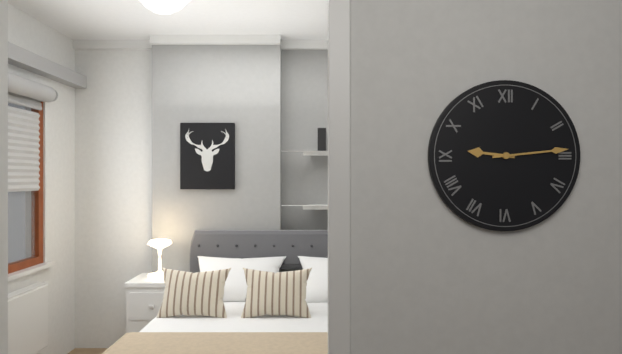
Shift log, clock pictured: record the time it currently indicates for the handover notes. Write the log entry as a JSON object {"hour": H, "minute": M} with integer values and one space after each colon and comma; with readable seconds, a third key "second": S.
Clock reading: {"hour": 9, "minute": 14}
